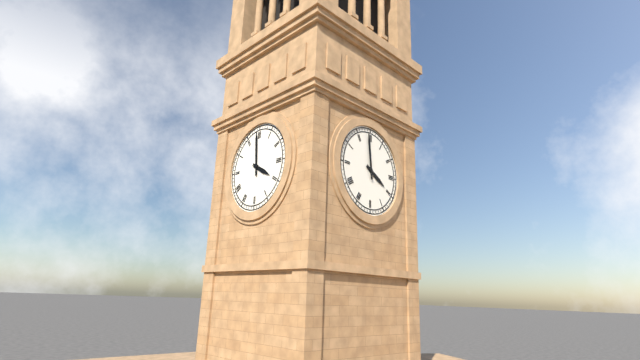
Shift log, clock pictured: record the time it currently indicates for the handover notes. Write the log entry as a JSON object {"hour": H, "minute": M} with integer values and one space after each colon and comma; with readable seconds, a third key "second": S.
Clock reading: {"hour": 3, "minute": 59}
